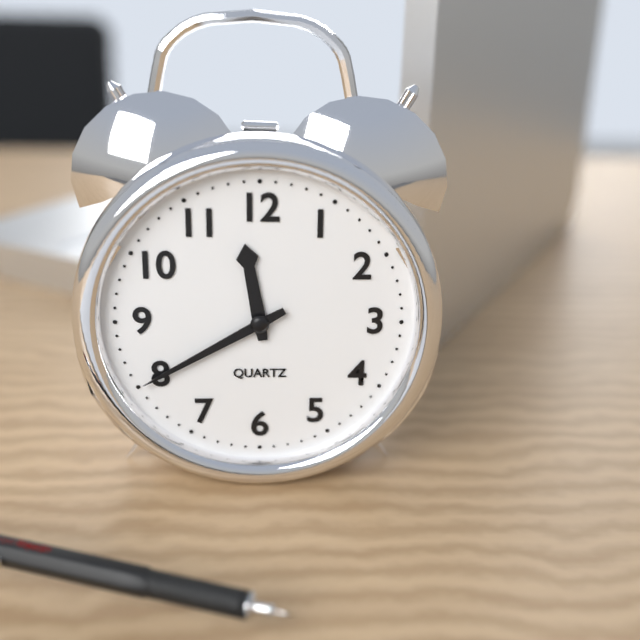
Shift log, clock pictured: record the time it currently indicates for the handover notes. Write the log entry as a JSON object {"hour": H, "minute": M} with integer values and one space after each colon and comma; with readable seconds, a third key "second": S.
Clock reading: {"hour": 11, "minute": 40}
